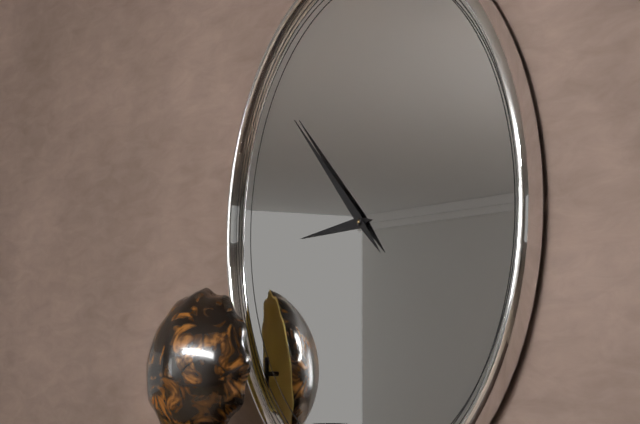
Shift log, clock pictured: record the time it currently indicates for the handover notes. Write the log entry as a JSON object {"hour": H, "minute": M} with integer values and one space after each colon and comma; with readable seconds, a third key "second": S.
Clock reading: {"hour": 8, "minute": 52}
